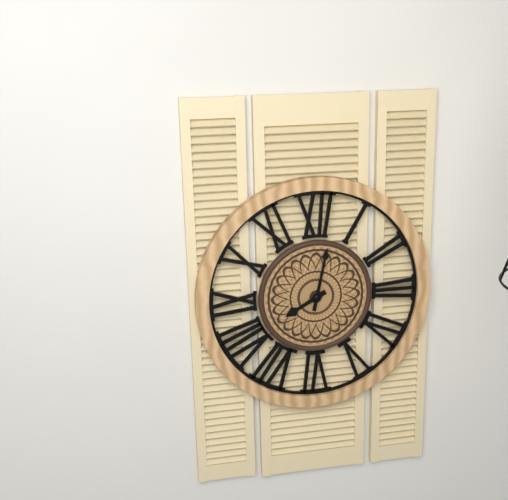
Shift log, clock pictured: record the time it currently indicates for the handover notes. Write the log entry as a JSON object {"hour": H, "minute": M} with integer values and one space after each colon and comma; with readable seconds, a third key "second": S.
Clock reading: {"hour": 8, "minute": 2}
